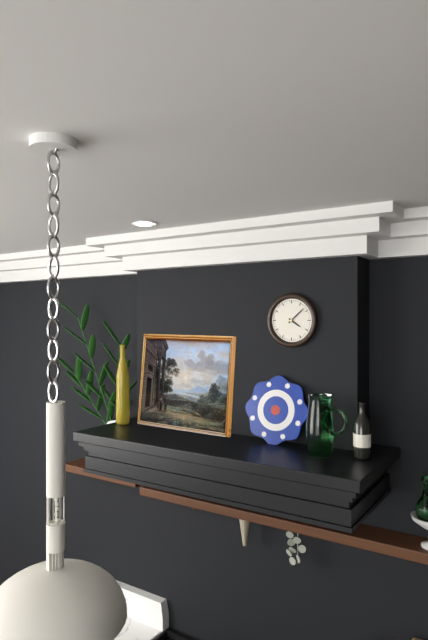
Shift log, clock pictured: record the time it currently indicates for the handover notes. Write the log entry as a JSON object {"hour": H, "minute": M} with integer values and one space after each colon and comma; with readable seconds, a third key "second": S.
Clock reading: {"hour": 4, "minute": 8}
